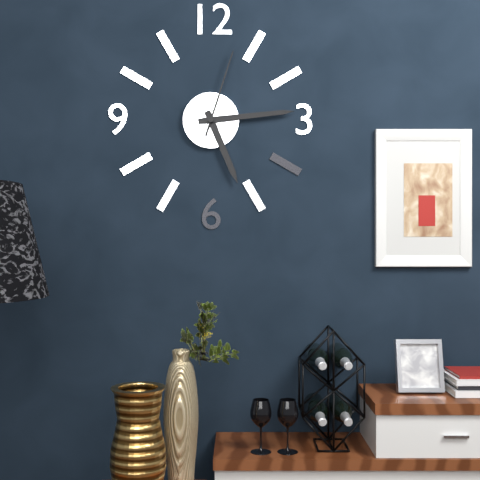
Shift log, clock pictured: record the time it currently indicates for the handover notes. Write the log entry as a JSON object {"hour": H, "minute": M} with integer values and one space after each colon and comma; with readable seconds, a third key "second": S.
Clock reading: {"hour": 5, "minute": 14, "second": 3}
